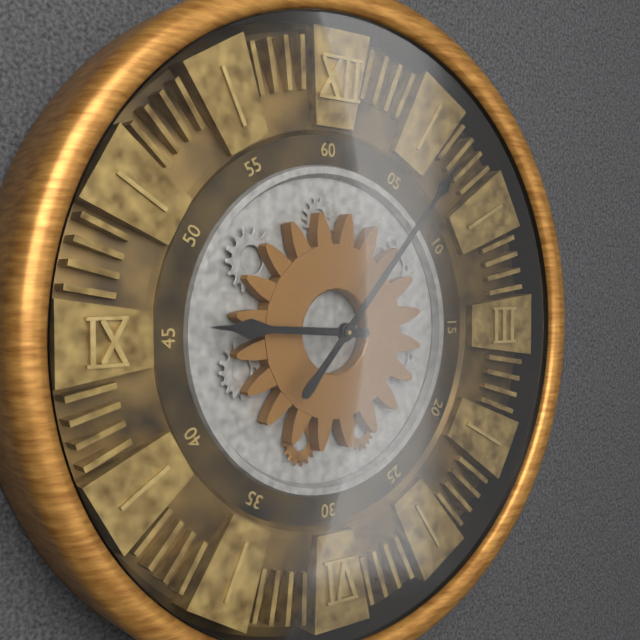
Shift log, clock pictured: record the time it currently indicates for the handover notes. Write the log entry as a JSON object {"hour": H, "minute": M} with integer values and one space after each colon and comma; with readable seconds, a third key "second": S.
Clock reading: {"hour": 9, "minute": 7}
